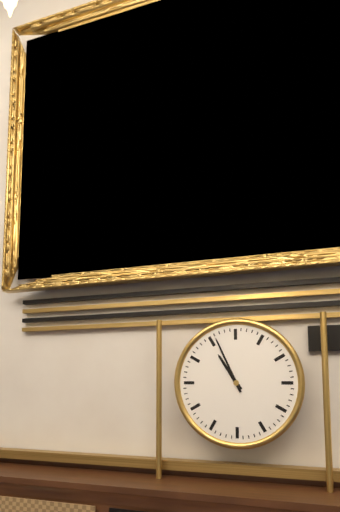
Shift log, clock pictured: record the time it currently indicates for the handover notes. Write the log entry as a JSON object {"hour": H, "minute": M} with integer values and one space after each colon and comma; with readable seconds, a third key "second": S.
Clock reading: {"hour": 10, "minute": 56}
